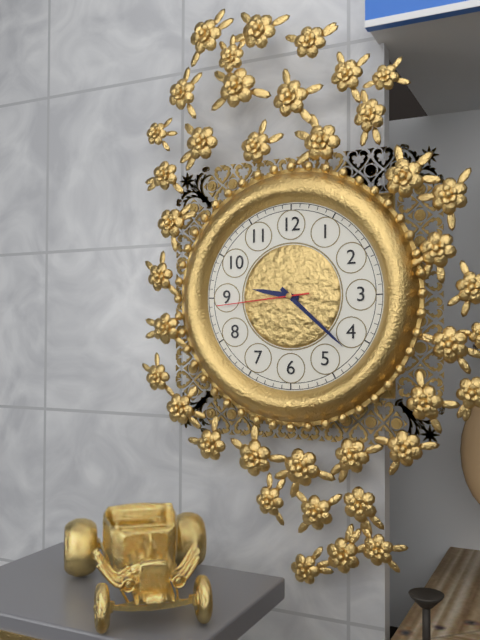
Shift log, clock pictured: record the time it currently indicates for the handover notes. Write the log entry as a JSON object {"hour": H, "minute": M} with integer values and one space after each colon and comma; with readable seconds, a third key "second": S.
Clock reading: {"hour": 9, "minute": 22, "second": 44}
